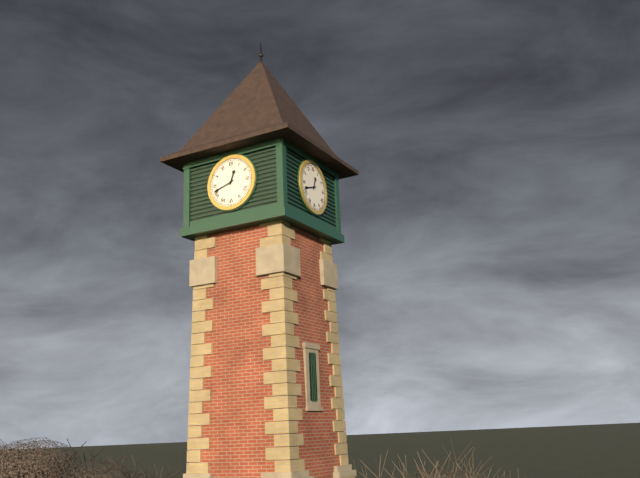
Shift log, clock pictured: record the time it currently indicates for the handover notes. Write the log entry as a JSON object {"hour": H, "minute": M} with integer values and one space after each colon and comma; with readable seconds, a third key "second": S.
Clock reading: {"hour": 12, "minute": 42}
